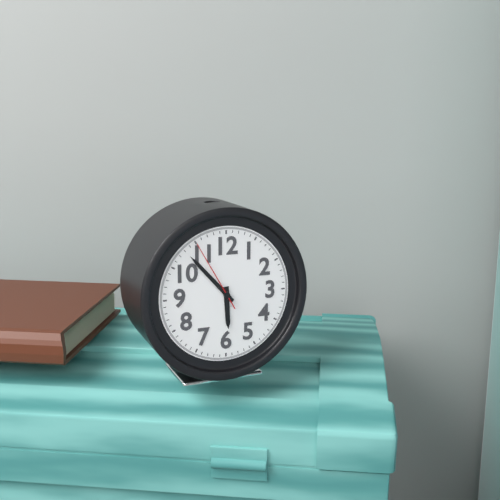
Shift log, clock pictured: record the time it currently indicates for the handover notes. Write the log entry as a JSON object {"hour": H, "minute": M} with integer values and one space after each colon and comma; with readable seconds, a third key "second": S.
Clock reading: {"hour": 5, "minute": 53, "second": 55}
